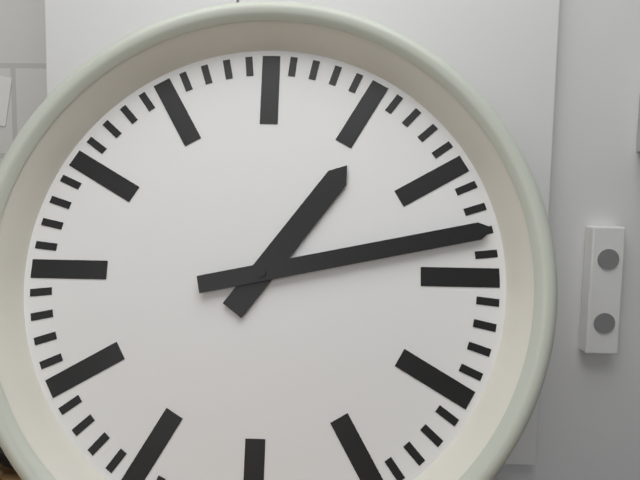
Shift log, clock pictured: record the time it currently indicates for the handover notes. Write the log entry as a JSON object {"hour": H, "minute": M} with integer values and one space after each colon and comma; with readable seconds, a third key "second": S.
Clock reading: {"hour": 1, "minute": 13}
